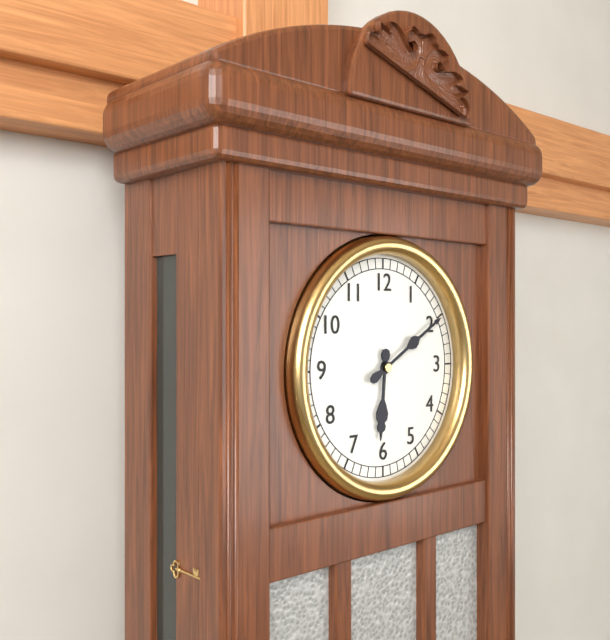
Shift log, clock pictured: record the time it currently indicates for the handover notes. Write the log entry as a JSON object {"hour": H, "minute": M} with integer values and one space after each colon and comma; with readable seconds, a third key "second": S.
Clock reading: {"hour": 6, "minute": 10}
